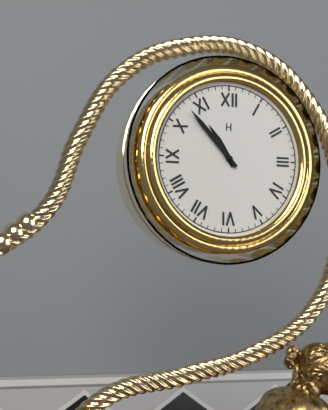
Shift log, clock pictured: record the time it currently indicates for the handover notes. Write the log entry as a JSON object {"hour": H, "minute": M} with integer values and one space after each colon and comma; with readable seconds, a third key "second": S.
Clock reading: {"hour": 10, "minute": 53}
